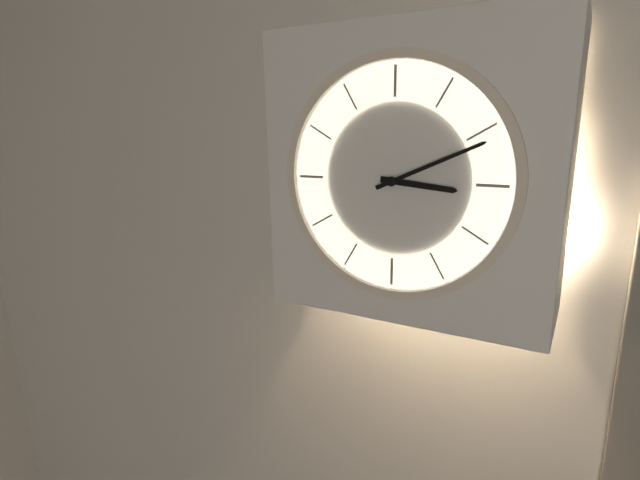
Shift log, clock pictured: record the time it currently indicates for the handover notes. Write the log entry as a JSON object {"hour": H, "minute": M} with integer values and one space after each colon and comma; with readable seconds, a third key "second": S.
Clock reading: {"hour": 3, "minute": 11}
